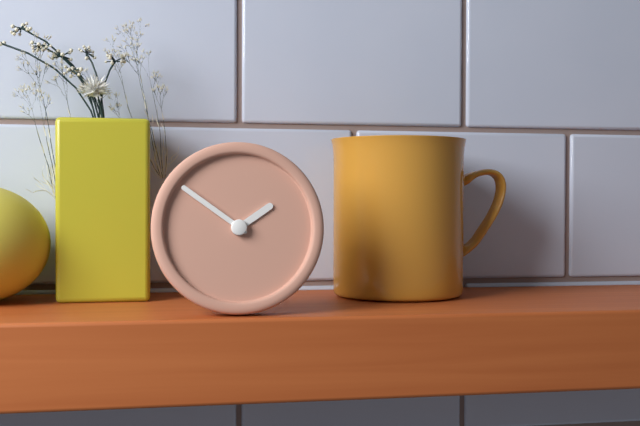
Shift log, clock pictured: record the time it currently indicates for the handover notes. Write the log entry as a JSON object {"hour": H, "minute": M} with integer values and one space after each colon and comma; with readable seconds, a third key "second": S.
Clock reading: {"hour": 1, "minute": 51}
